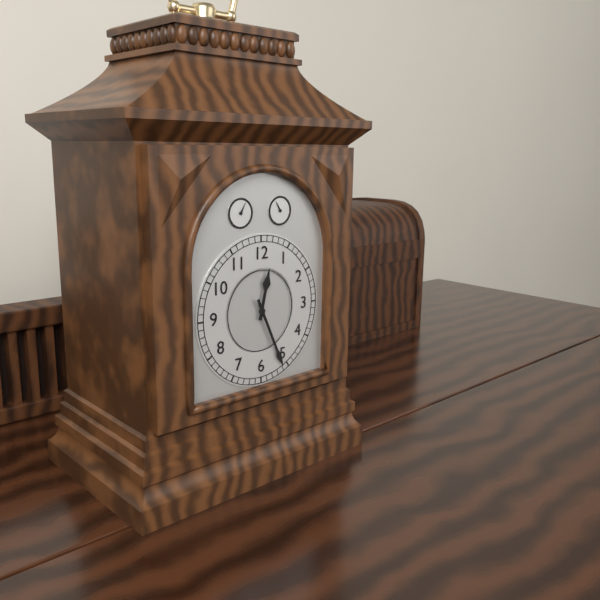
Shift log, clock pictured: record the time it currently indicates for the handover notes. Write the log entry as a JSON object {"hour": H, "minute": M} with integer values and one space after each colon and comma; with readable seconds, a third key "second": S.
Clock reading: {"hour": 12, "minute": 26}
